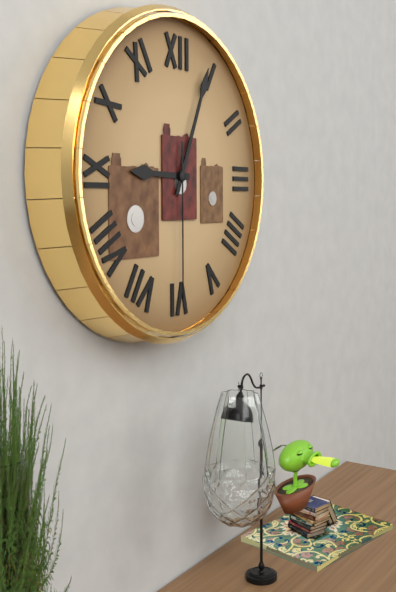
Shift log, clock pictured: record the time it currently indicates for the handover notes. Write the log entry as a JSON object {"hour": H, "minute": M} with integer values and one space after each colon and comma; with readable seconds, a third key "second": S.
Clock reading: {"hour": 9, "minute": 4, "second": 30}
